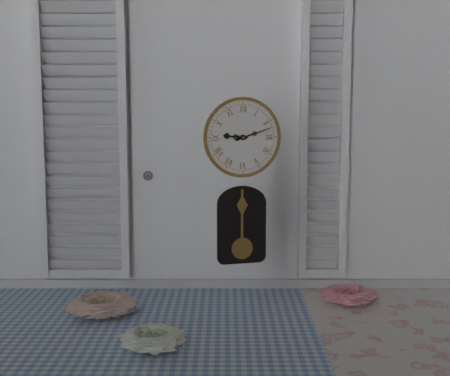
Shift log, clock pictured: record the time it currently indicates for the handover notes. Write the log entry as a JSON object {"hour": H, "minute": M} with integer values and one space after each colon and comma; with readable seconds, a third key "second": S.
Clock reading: {"hour": 9, "minute": 12}
